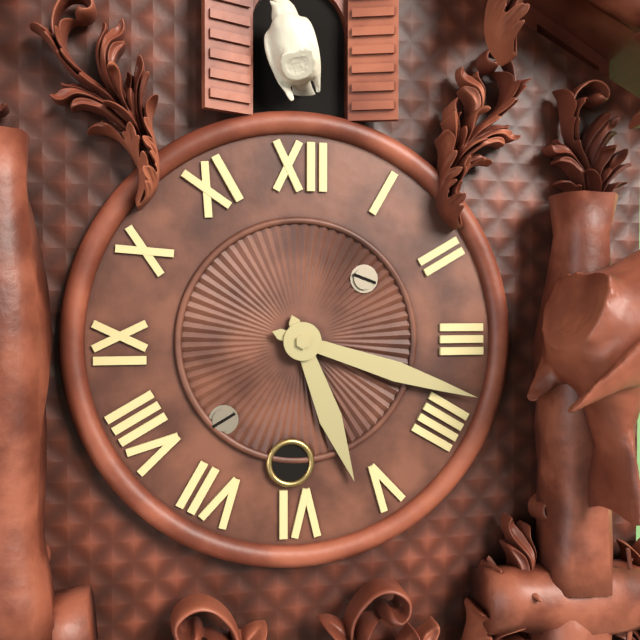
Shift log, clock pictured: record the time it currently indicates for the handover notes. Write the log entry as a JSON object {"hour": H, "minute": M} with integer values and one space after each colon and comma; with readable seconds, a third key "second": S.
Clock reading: {"hour": 5, "minute": 18}
